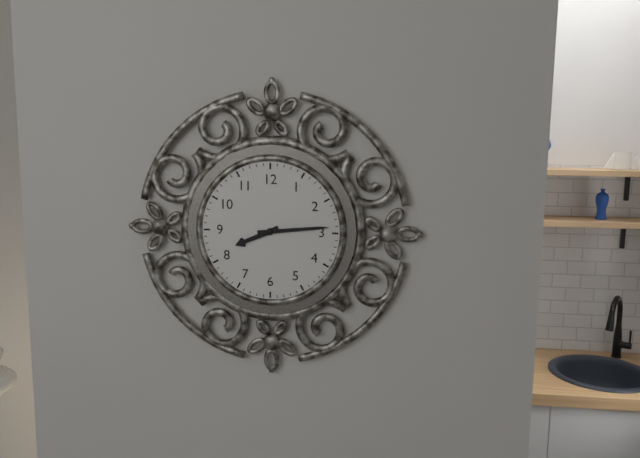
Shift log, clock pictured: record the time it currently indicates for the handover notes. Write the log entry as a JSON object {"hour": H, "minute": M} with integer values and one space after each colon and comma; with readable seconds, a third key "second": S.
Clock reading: {"hour": 8, "minute": 14}
